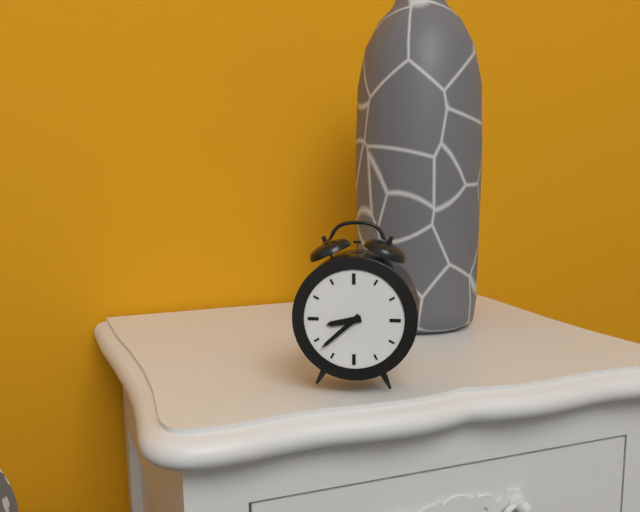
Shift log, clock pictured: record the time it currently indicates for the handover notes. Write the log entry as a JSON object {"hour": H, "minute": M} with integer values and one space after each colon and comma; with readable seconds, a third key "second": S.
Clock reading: {"hour": 8, "minute": 38}
